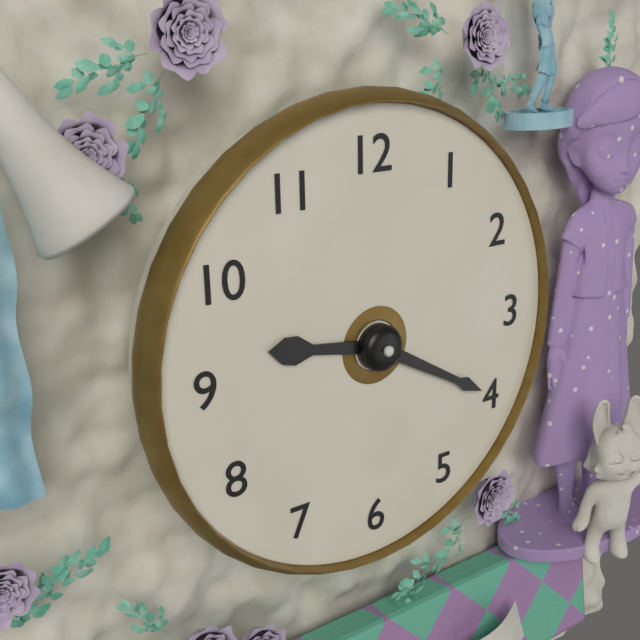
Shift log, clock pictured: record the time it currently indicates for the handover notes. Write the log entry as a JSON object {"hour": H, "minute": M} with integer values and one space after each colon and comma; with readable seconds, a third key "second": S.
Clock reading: {"hour": 9, "minute": 20}
